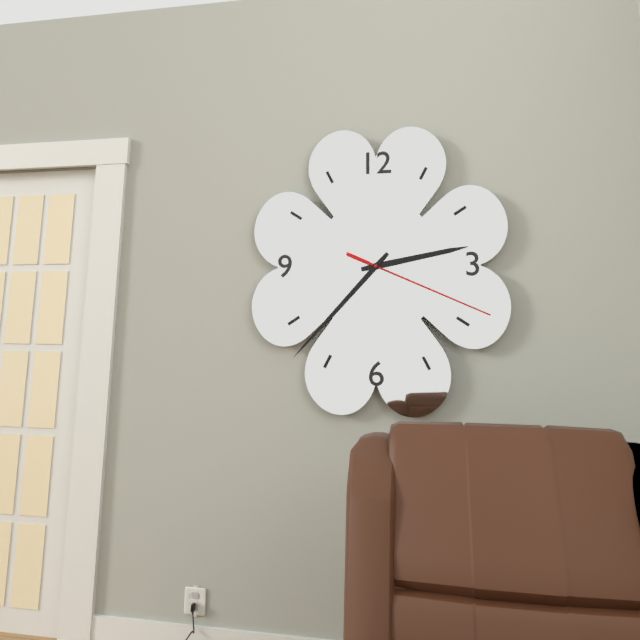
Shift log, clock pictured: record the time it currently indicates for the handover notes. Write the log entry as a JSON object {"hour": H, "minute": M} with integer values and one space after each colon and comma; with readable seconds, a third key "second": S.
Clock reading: {"hour": 2, "minute": 37, "second": 19}
